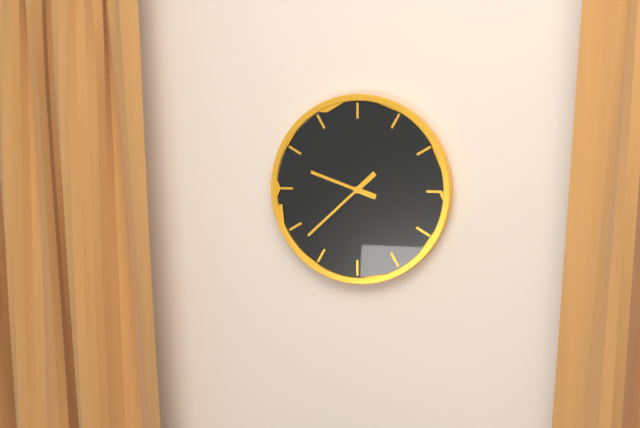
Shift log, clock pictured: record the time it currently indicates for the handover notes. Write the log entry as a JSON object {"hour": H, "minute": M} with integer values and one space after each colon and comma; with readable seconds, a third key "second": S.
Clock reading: {"hour": 9, "minute": 38}
